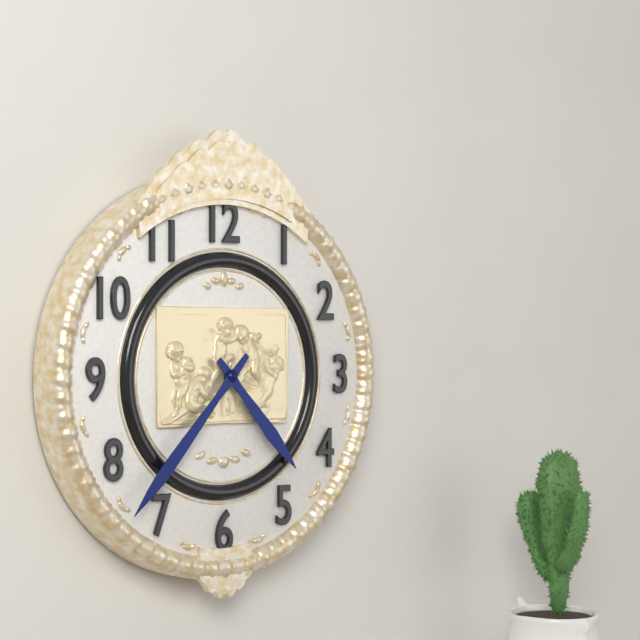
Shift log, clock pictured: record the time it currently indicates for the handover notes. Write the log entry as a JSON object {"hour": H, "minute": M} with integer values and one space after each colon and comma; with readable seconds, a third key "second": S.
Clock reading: {"hour": 4, "minute": 37}
